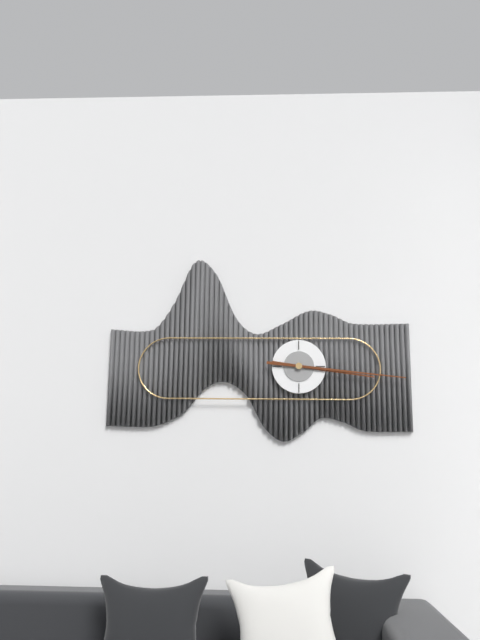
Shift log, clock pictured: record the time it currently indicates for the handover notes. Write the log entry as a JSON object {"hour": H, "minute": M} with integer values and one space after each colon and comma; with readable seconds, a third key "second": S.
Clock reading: {"hour": 3, "minute": 16}
